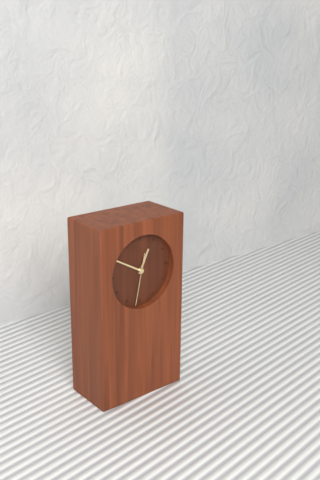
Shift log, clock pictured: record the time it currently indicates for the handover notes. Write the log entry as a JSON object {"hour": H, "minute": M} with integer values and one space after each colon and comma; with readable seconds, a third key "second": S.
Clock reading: {"hour": 12, "minute": 50}
